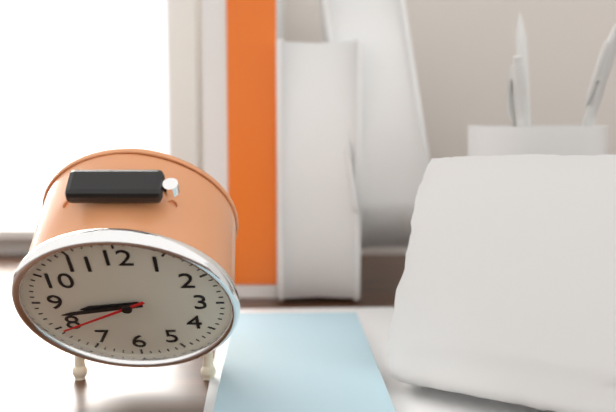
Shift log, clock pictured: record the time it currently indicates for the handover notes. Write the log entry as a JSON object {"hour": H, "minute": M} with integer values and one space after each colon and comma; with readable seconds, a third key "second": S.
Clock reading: {"hour": 8, "minute": 43, "second": 40}
